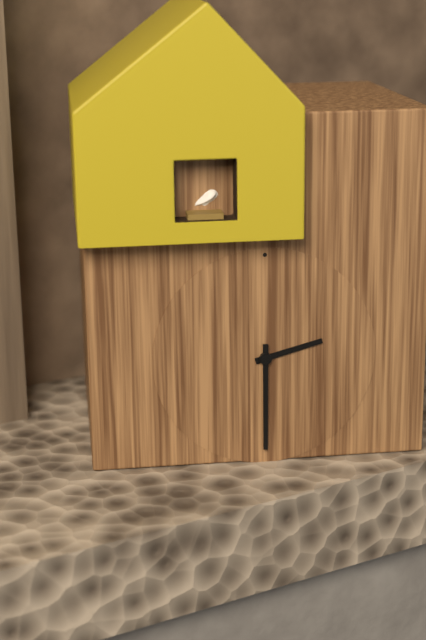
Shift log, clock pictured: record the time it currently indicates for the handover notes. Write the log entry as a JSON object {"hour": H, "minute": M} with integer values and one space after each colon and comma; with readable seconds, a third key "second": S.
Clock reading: {"hour": 2, "minute": 30}
